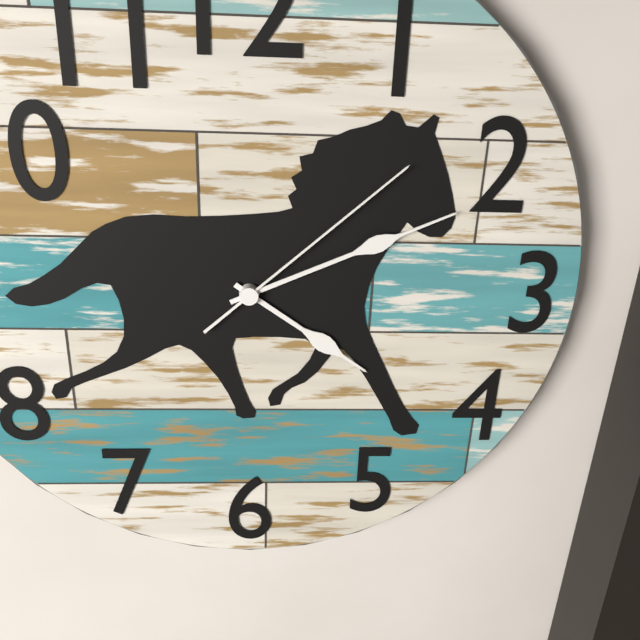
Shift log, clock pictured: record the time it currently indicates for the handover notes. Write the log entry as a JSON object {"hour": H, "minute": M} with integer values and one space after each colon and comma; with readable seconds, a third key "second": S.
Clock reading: {"hour": 4, "minute": 11, "second": 8}
